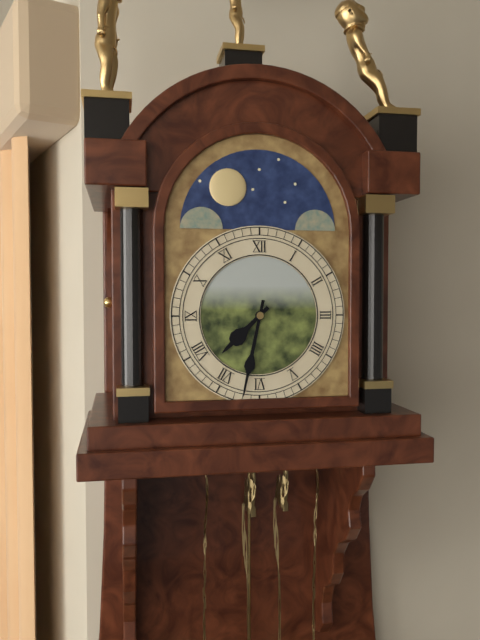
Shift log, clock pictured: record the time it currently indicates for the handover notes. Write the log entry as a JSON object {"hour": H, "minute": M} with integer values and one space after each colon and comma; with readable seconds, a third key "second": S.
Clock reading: {"hour": 7, "minute": 32}
